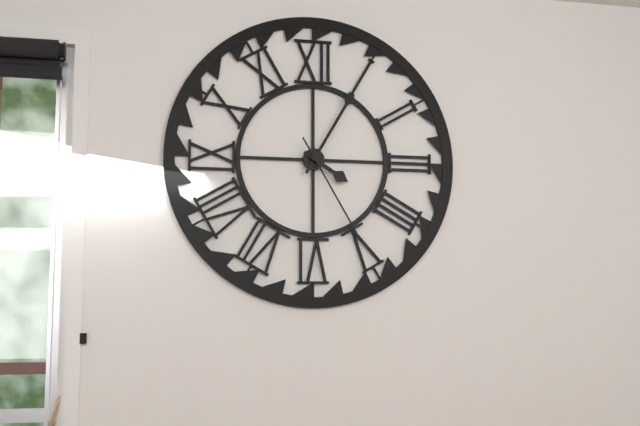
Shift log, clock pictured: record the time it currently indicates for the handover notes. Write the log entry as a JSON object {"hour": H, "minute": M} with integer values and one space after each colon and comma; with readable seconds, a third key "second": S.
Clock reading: {"hour": 4, "minute": 5, "second": 25}
